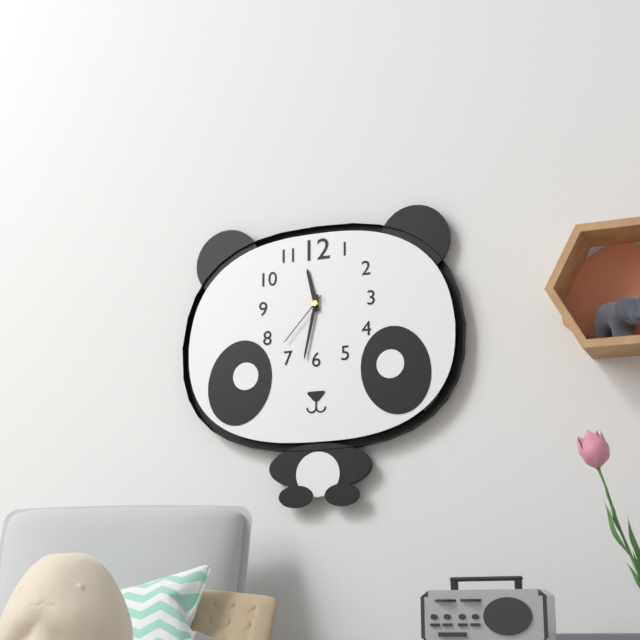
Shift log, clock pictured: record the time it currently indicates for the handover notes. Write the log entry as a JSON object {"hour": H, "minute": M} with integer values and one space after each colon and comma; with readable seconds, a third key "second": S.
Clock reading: {"hour": 11, "minute": 32, "second": 37}
